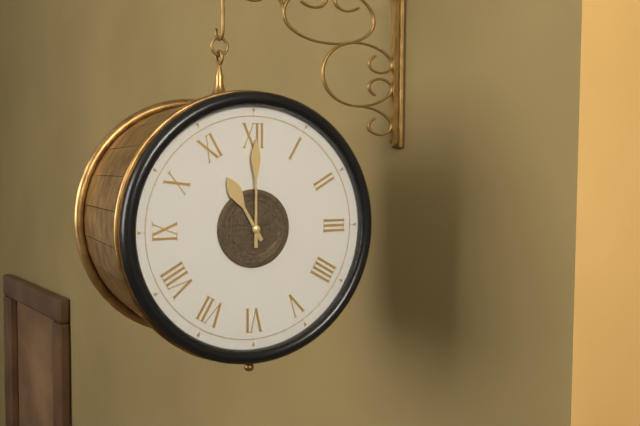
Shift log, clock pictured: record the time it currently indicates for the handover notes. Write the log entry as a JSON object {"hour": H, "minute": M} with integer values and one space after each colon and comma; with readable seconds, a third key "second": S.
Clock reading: {"hour": 11, "minute": 0}
